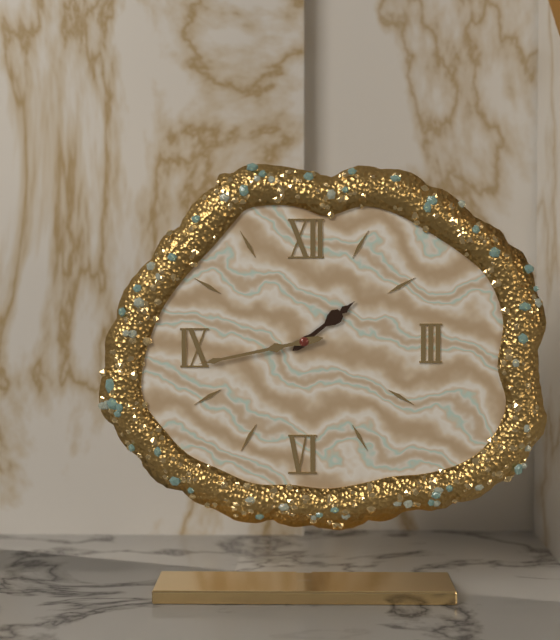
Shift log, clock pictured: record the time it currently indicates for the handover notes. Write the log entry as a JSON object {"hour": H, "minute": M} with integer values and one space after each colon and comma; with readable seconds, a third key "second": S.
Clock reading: {"hour": 1, "minute": 43}
